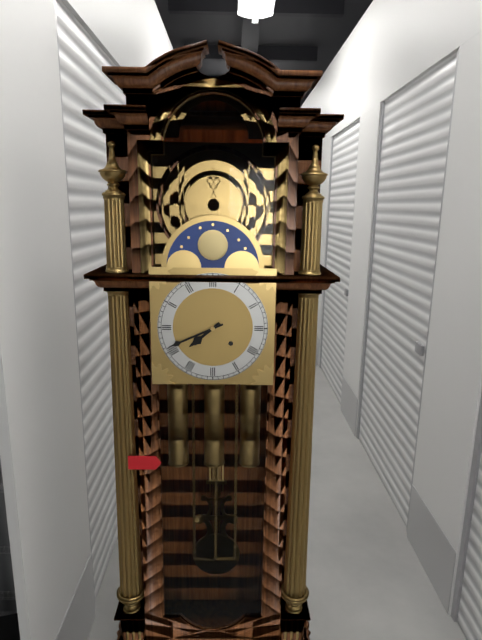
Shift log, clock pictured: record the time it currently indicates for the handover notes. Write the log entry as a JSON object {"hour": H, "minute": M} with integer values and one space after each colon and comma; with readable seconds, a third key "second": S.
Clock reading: {"hour": 7, "minute": 41}
